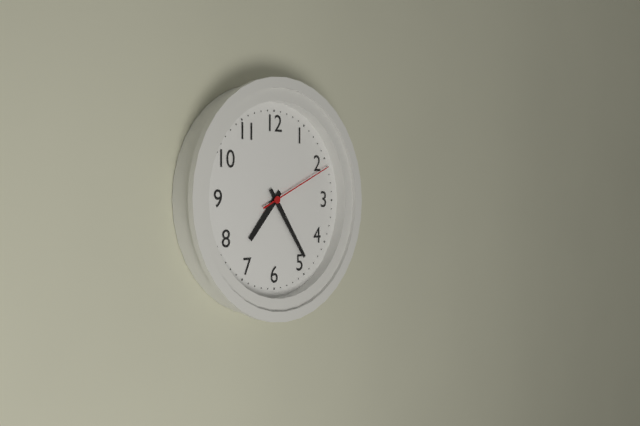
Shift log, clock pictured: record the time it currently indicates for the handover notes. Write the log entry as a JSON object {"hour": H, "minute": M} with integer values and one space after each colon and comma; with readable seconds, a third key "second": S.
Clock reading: {"hour": 7, "minute": 24, "second": 11}
